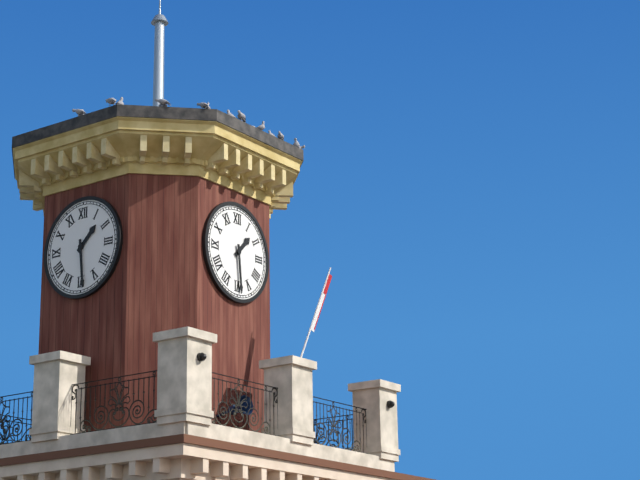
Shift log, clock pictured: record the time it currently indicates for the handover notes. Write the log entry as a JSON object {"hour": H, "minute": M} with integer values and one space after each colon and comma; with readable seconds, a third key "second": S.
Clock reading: {"hour": 1, "minute": 29}
